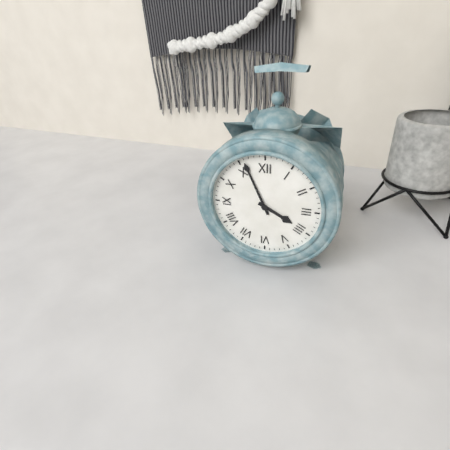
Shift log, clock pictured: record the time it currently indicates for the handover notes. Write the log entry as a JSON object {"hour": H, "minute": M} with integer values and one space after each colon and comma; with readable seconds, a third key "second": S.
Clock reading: {"hour": 3, "minute": 56}
